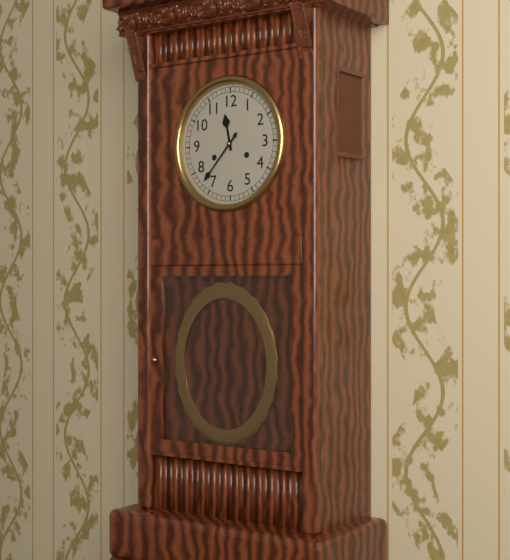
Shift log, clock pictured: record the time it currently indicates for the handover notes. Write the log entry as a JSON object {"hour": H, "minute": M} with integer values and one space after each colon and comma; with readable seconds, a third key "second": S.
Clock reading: {"hour": 11, "minute": 37}
